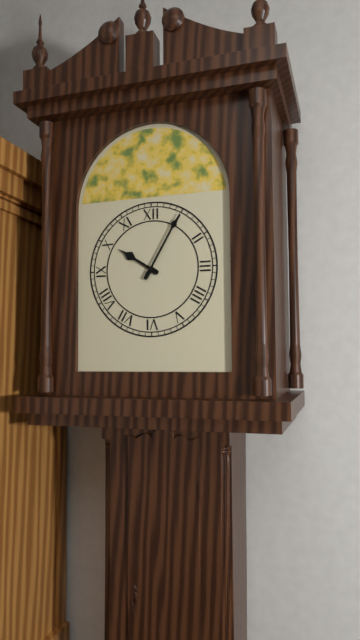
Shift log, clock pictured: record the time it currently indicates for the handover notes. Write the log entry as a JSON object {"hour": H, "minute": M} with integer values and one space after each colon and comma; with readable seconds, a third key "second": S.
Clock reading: {"hour": 10, "minute": 5}
